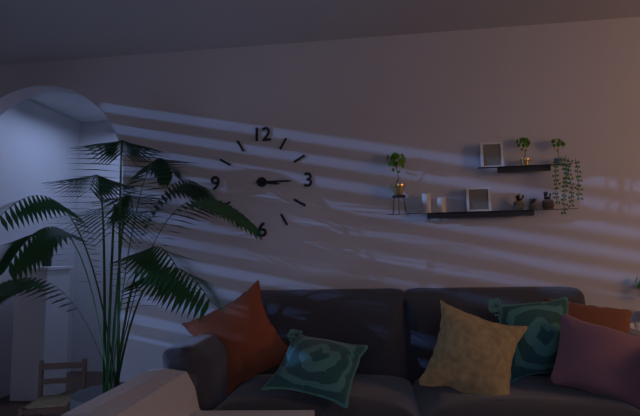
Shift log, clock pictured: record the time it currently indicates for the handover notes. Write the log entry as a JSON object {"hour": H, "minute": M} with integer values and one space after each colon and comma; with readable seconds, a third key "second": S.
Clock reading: {"hour": 3, "minute": 15}
